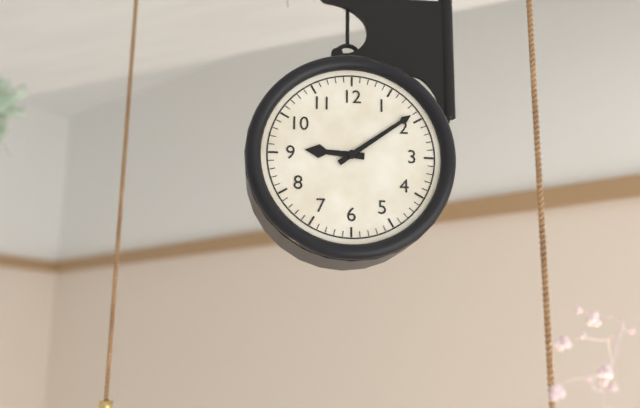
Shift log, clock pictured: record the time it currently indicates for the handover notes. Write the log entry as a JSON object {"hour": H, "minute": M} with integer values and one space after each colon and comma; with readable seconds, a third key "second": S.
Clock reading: {"hour": 9, "minute": 9}
